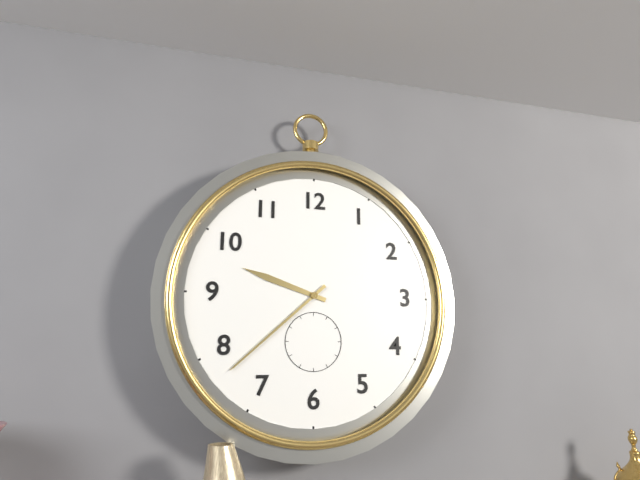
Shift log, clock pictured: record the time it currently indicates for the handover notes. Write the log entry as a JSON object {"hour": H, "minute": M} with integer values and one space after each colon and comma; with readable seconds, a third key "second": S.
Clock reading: {"hour": 9, "minute": 38}
